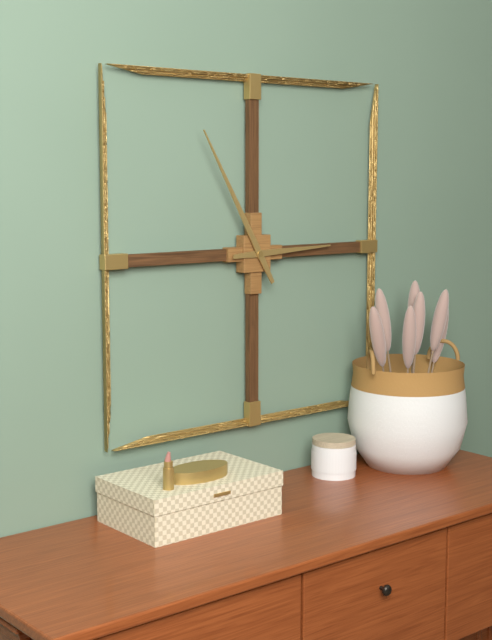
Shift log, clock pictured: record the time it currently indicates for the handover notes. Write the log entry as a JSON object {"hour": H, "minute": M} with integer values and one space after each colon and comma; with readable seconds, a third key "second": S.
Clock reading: {"hour": 2, "minute": 55}
